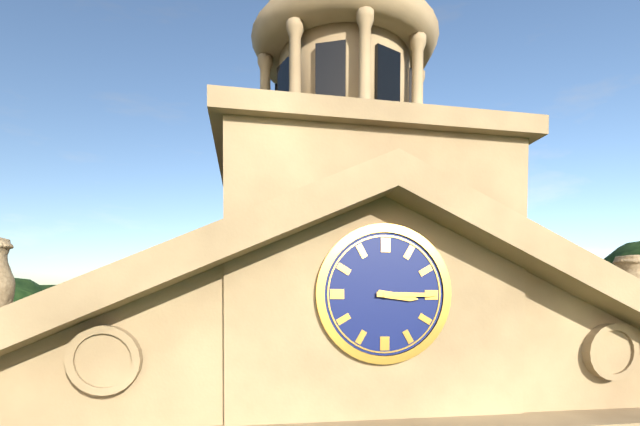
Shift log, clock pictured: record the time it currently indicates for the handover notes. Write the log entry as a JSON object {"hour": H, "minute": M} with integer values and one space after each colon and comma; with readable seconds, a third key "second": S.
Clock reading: {"hour": 3, "minute": 15}
